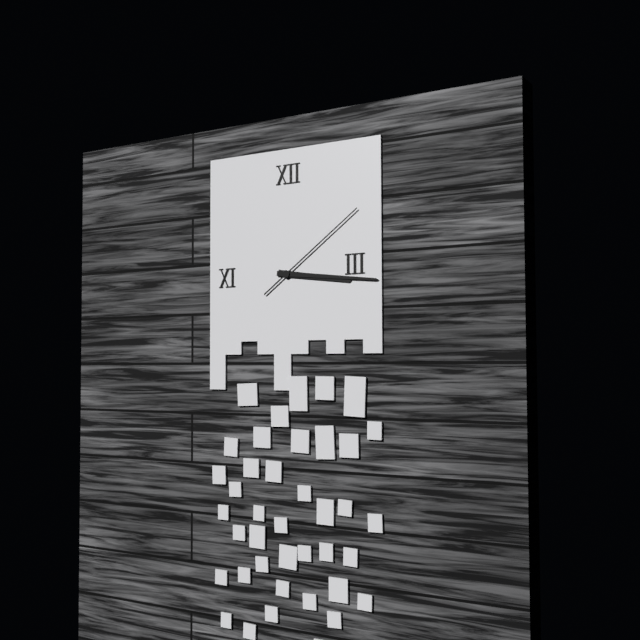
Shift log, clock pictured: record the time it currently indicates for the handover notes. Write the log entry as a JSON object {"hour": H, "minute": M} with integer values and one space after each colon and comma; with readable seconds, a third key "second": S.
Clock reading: {"hour": 3, "minute": 16, "second": 9}
